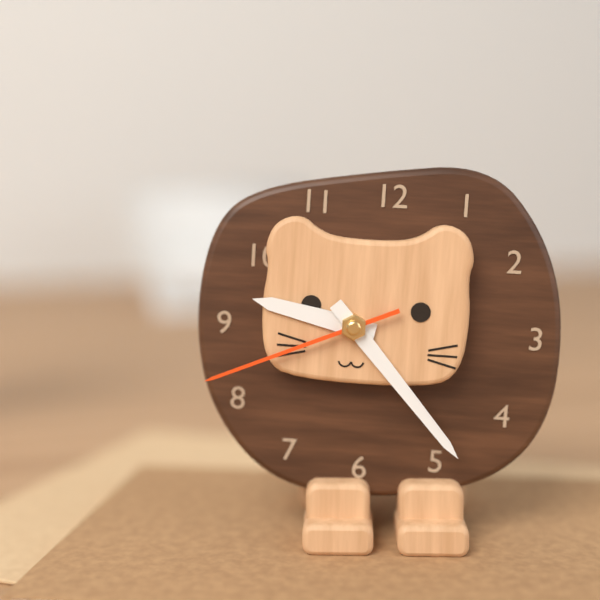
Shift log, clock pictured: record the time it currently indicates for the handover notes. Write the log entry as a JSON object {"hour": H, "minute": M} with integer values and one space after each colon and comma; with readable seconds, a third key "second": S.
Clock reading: {"hour": 9, "minute": 23, "second": 41}
